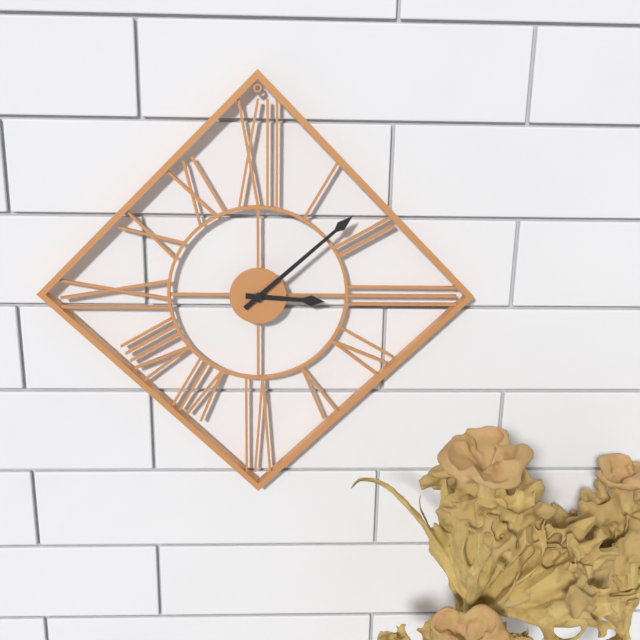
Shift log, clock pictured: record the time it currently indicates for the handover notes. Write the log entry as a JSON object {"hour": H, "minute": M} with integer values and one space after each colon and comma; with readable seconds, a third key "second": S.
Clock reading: {"hour": 3, "minute": 8}
